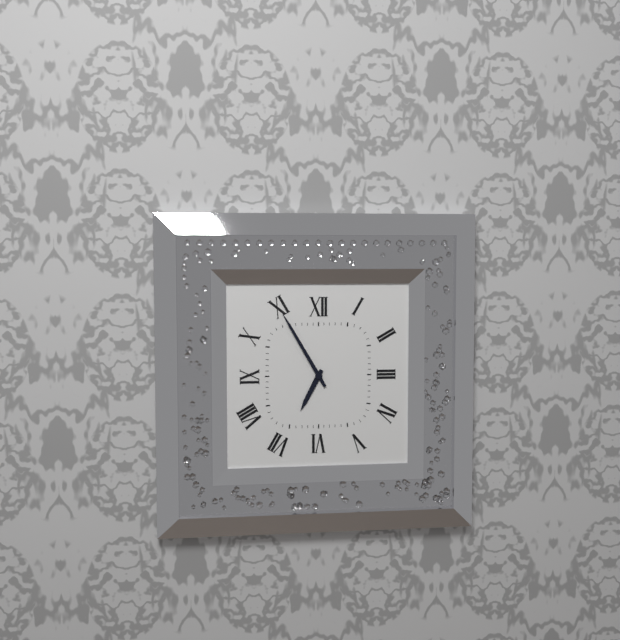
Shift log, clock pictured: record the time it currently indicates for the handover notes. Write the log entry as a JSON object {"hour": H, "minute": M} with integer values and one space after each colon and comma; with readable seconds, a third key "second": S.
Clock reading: {"hour": 6, "minute": 55}
